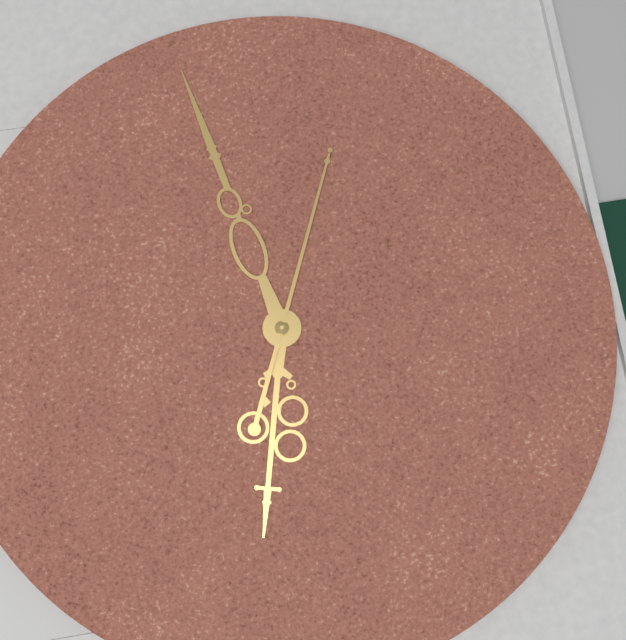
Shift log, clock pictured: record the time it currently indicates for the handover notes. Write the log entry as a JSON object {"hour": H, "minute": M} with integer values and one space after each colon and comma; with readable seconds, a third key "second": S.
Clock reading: {"hour": 12, "minute": 28, "second": 34}
